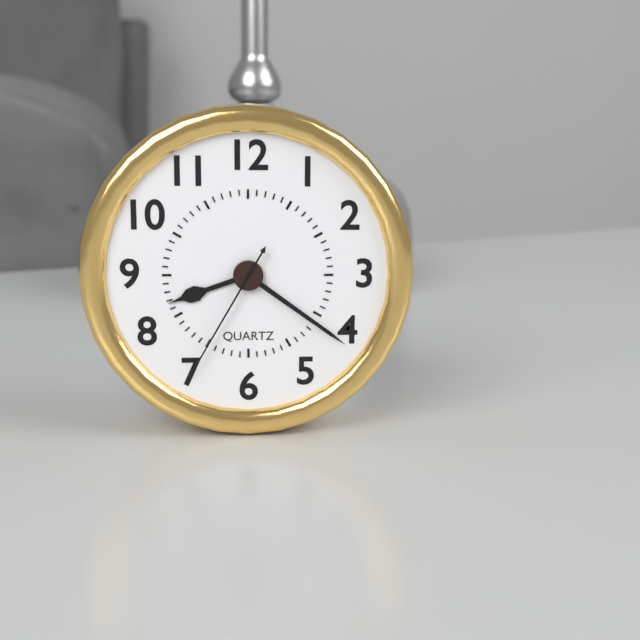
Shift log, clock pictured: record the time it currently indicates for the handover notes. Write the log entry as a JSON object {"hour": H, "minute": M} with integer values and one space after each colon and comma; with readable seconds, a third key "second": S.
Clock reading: {"hour": 8, "minute": 21, "second": 35}
